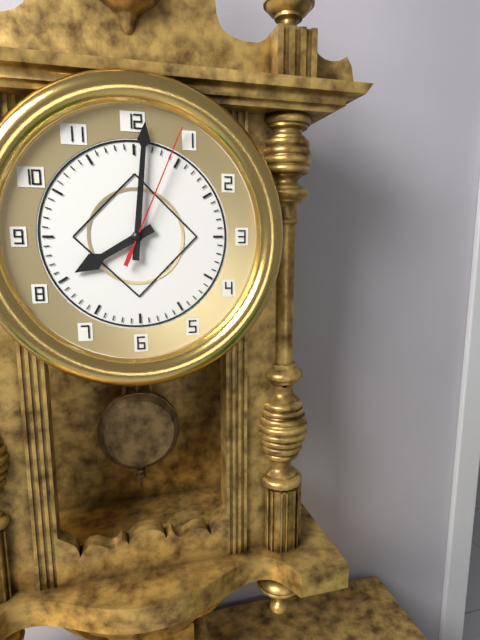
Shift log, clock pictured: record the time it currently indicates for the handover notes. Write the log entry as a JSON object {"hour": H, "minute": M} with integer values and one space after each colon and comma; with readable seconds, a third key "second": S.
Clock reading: {"hour": 8, "minute": 1, "second": 4}
